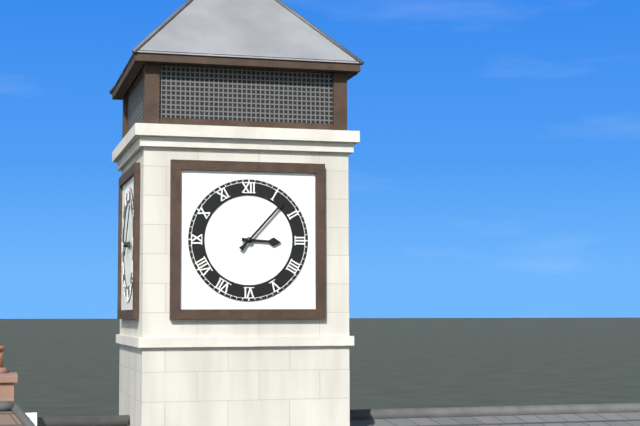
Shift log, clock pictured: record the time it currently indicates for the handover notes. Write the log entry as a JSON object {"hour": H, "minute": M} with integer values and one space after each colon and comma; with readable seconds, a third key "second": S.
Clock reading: {"hour": 3, "minute": 7}
